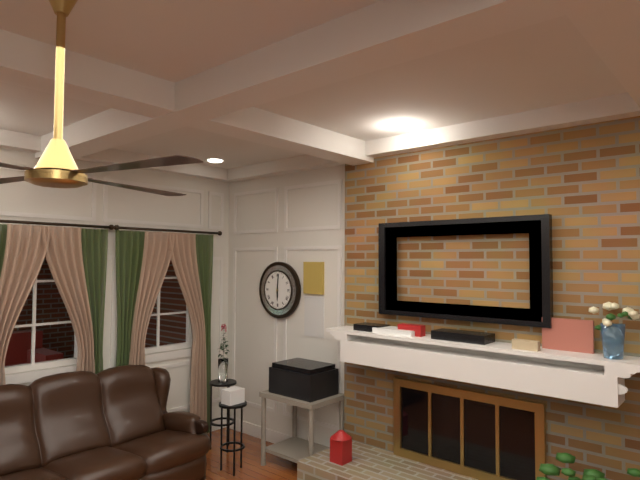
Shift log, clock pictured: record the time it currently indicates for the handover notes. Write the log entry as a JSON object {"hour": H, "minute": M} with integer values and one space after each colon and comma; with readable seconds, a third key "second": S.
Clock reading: {"hour": 6, "minute": 1}
